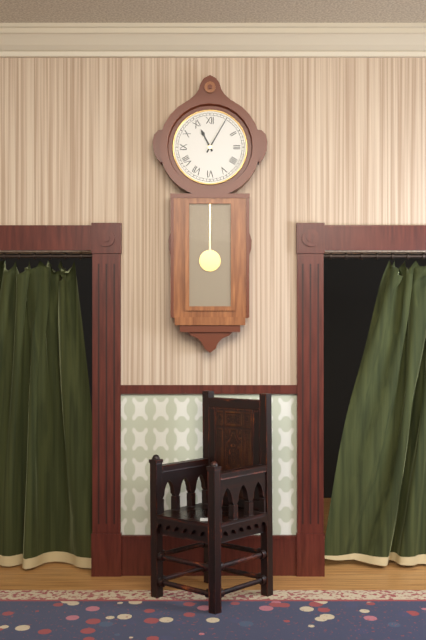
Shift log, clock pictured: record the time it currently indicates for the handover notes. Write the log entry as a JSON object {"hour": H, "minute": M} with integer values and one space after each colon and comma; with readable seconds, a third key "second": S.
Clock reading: {"hour": 11, "minute": 5}
